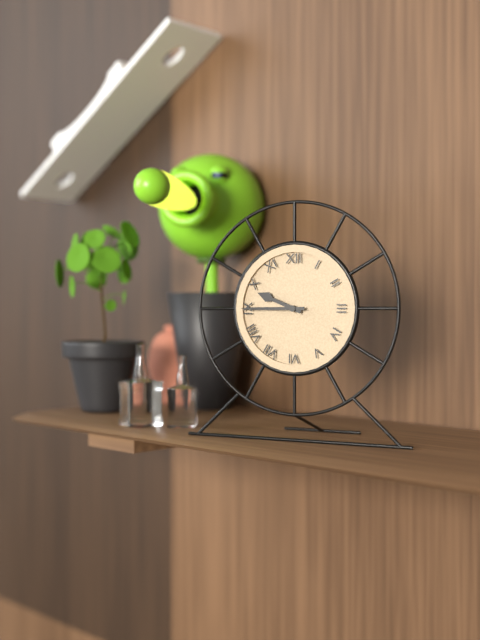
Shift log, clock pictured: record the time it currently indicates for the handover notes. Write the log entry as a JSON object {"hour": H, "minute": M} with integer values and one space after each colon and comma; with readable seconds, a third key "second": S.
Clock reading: {"hour": 9, "minute": 45}
